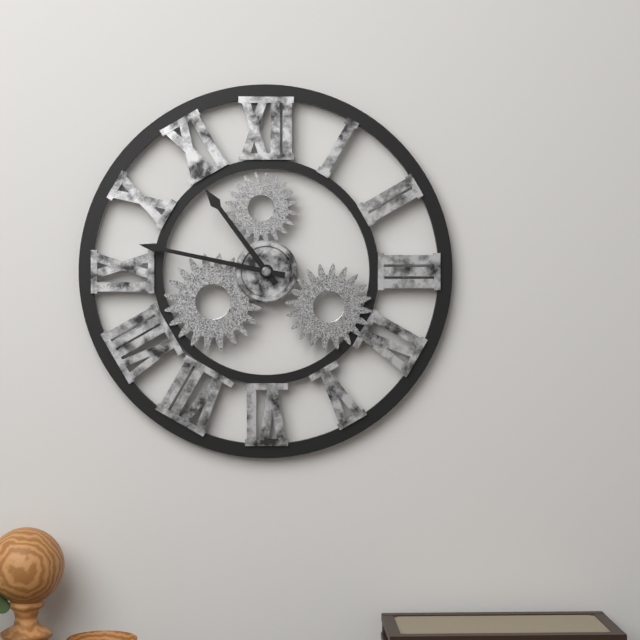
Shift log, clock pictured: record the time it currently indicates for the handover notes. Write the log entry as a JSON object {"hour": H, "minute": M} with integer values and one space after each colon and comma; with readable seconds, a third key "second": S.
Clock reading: {"hour": 10, "minute": 47}
